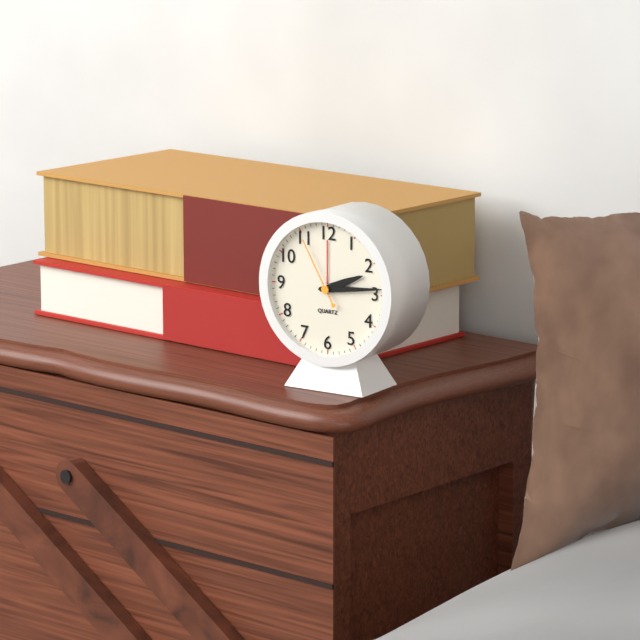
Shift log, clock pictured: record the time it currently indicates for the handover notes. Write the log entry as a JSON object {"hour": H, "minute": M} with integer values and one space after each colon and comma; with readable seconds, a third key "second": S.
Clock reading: {"hour": 2, "minute": 14, "second": 55}
